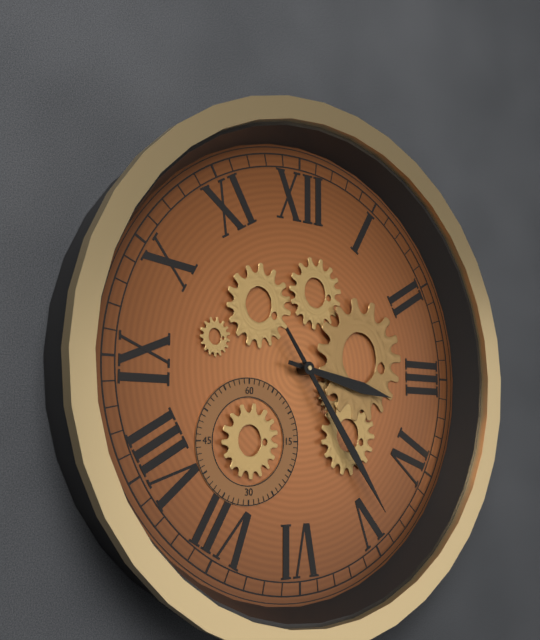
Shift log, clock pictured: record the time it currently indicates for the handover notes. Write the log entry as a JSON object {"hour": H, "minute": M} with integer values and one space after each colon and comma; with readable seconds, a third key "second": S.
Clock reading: {"hour": 3, "minute": 24}
